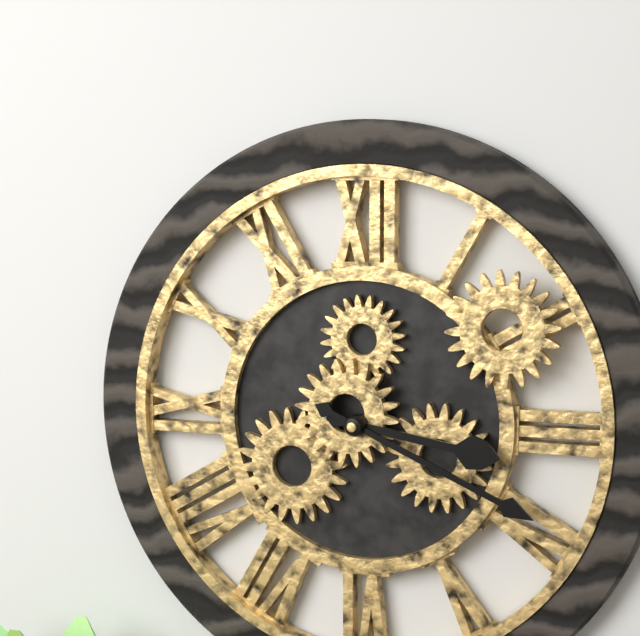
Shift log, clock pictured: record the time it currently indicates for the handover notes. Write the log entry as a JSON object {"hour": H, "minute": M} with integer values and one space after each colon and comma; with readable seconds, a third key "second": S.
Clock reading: {"hour": 3, "minute": 19}
